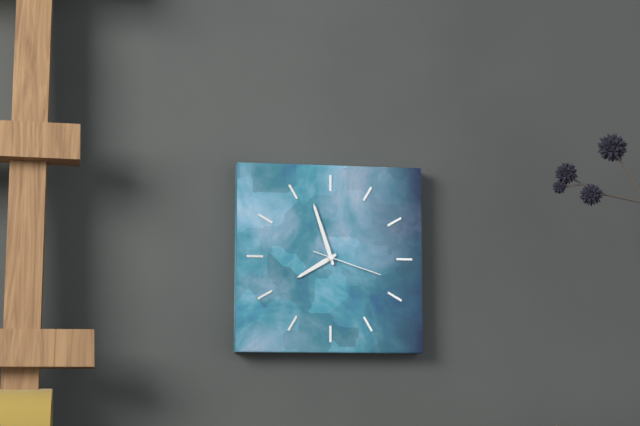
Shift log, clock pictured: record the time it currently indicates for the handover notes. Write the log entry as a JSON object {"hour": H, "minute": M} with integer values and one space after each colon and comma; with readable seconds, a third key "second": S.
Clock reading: {"hour": 7, "minute": 57, "second": 18}
